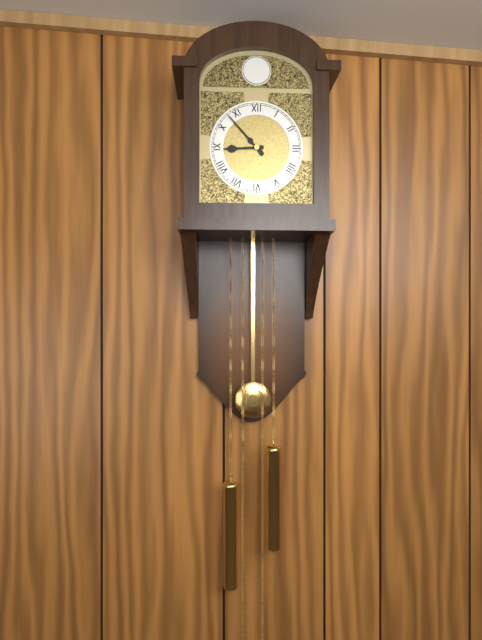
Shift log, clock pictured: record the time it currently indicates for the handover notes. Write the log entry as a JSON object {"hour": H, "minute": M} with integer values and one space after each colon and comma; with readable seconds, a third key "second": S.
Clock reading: {"hour": 8, "minute": 53}
